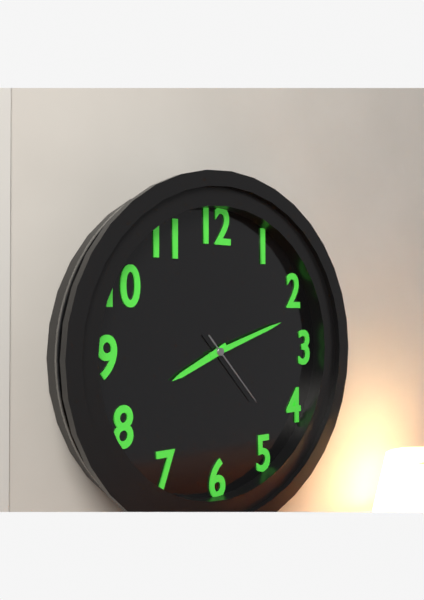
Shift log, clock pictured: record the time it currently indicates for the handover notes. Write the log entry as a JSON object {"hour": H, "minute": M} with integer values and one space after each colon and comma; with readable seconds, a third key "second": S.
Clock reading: {"hour": 8, "minute": 12, "second": 23}
